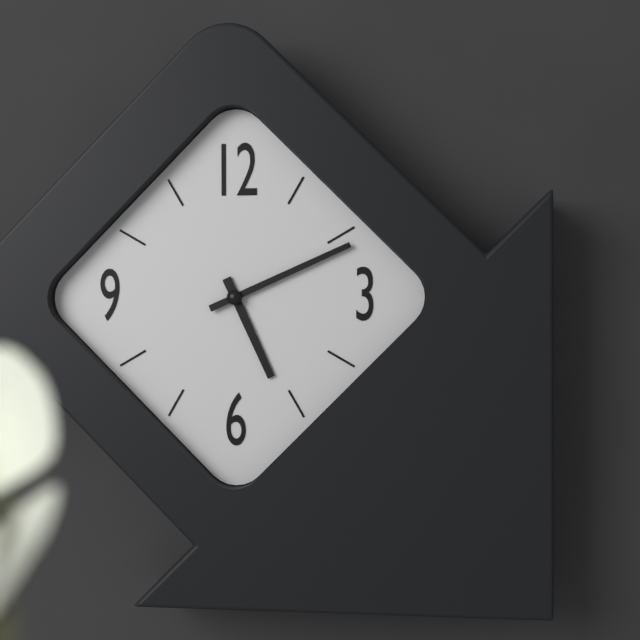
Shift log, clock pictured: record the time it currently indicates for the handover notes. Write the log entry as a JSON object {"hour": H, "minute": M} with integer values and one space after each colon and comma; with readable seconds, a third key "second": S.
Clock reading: {"hour": 5, "minute": 11}
